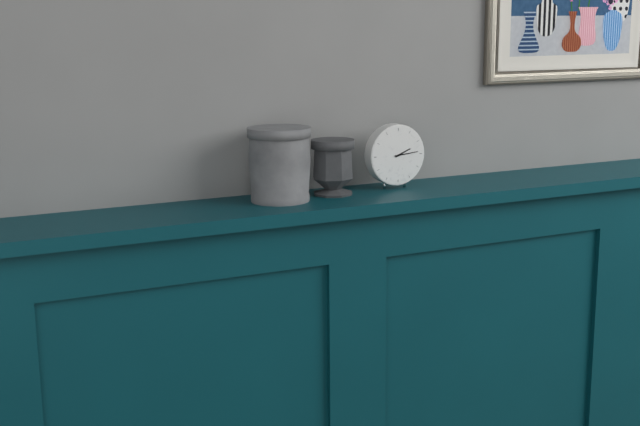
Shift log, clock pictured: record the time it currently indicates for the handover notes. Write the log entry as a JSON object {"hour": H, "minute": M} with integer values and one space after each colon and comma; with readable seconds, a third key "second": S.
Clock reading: {"hour": 2, "minute": 14}
